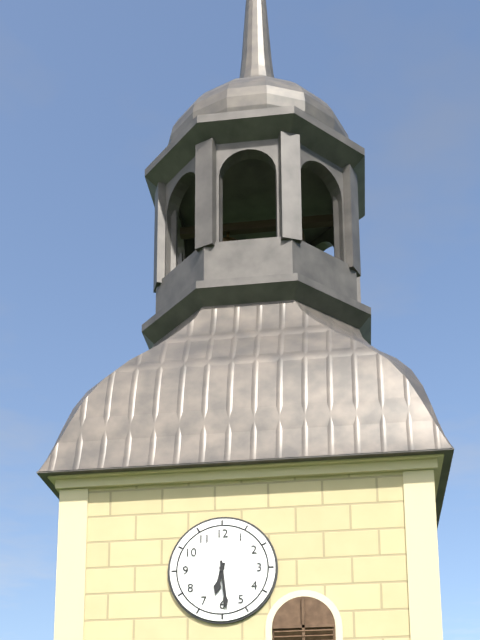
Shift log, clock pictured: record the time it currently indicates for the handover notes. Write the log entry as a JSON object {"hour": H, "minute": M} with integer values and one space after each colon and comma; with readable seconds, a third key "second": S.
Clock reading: {"hour": 6, "minute": 29}
